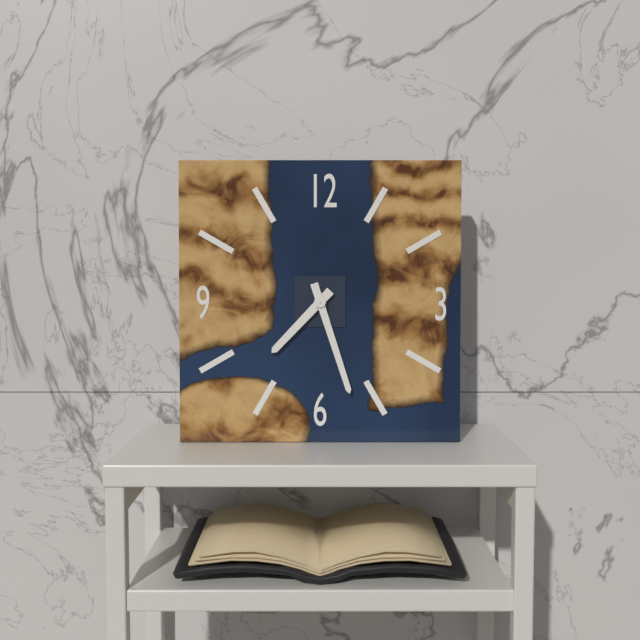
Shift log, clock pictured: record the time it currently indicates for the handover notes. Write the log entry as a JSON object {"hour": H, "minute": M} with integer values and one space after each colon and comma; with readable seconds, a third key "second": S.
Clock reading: {"hour": 7, "minute": 27}
